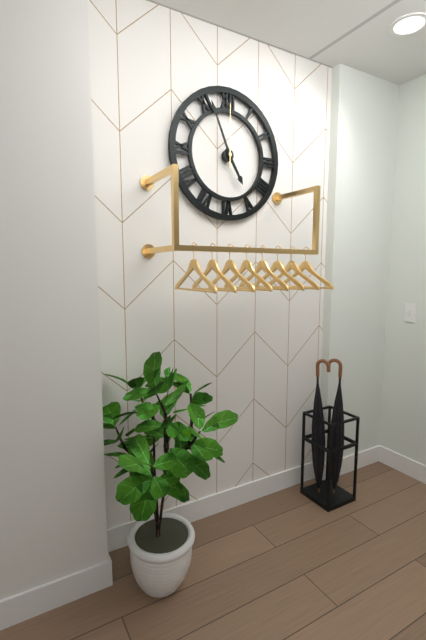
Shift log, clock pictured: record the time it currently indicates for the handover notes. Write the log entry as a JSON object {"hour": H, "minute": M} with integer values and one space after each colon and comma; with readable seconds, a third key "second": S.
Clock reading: {"hour": 4, "minute": 56, "second": 0}
